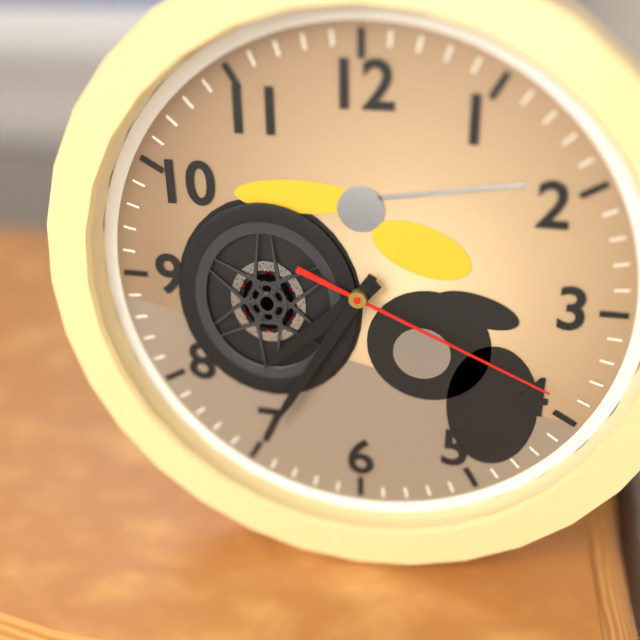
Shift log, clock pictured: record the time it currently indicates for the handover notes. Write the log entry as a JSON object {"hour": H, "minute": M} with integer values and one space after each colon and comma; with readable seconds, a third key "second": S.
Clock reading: {"hour": 7, "minute": 35, "second": 19}
